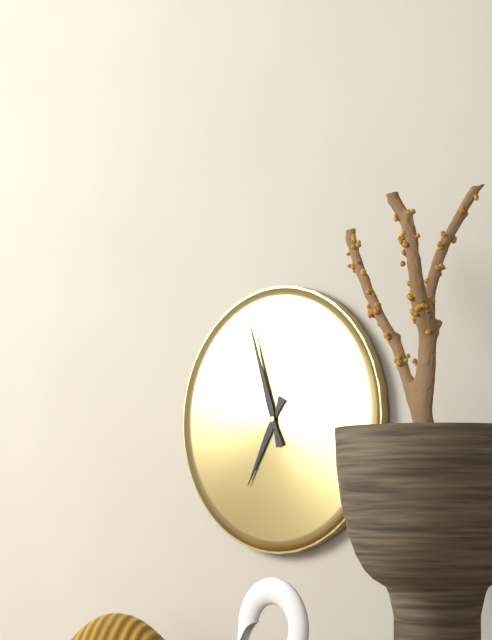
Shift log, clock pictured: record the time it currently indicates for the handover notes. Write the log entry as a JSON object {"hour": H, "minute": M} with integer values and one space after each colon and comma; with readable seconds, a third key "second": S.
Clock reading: {"hour": 6, "minute": 57}
